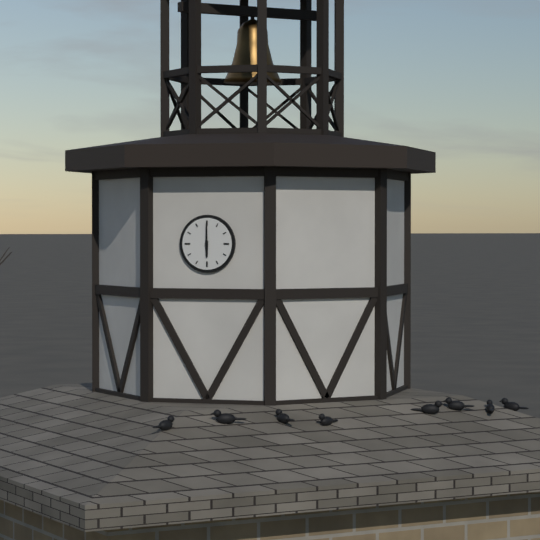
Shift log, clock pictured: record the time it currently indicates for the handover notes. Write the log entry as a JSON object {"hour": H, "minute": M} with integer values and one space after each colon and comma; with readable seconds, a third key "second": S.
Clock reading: {"hour": 6, "minute": 0}
